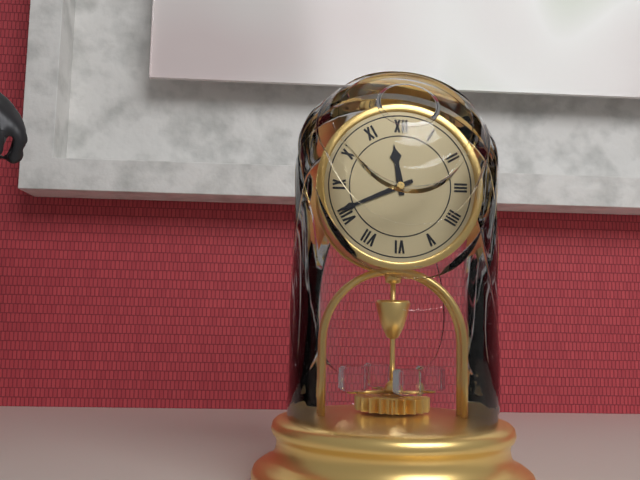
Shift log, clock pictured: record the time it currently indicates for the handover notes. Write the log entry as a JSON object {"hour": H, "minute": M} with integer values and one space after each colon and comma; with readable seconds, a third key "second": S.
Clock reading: {"hour": 11, "minute": 41}
